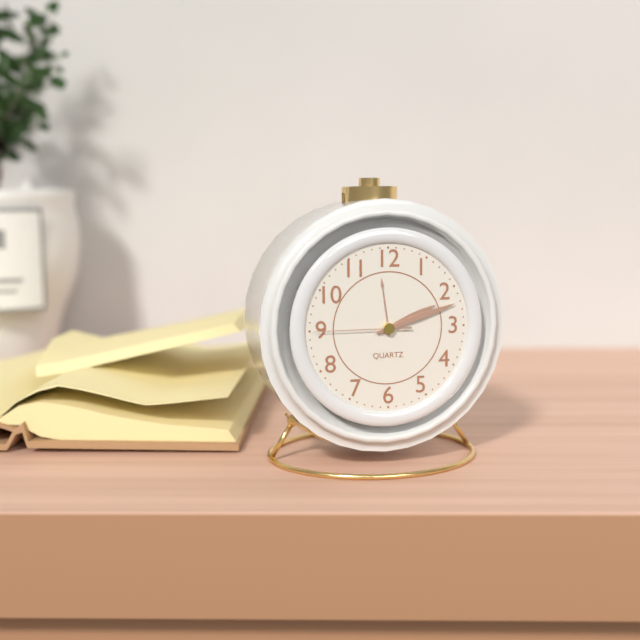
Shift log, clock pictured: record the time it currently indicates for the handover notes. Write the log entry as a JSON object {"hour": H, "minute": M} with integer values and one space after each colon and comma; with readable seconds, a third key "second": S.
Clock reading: {"hour": 2, "minute": 12, "second": 45}
